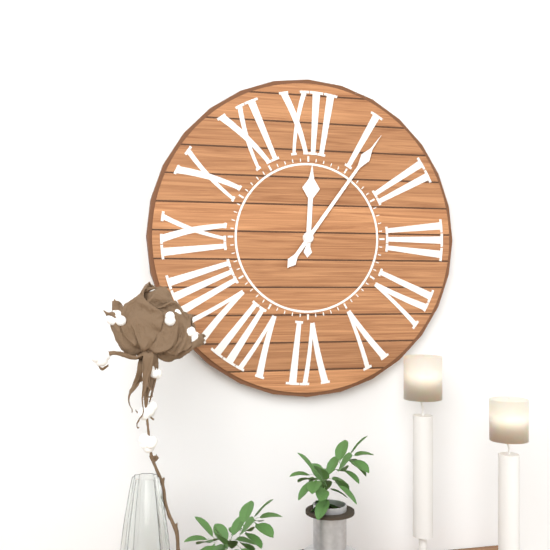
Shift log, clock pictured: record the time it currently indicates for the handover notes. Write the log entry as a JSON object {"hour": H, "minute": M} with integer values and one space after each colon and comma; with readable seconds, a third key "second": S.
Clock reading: {"hour": 12, "minute": 6}
